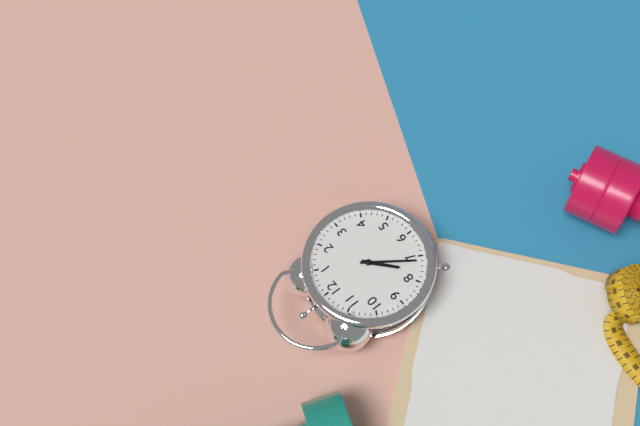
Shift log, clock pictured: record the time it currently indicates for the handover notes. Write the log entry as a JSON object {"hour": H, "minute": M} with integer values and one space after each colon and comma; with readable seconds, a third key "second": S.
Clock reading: {"hour": 7, "minute": 36}
